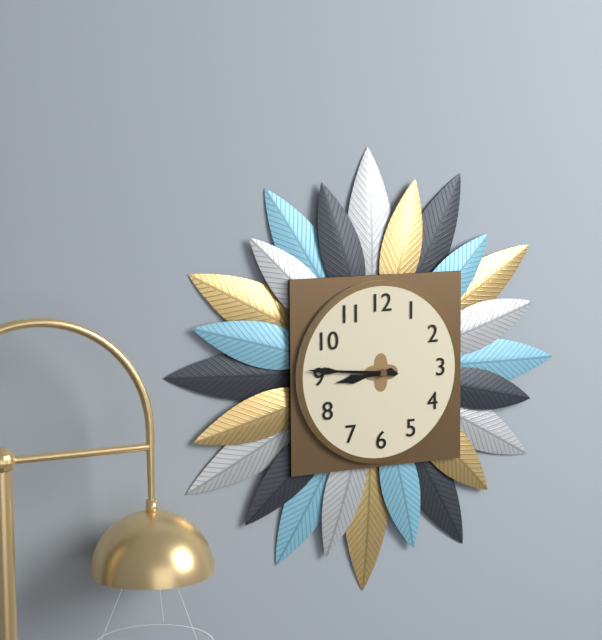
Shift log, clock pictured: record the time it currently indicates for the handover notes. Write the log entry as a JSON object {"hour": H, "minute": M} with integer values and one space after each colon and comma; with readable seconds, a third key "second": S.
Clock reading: {"hour": 8, "minute": 46}
